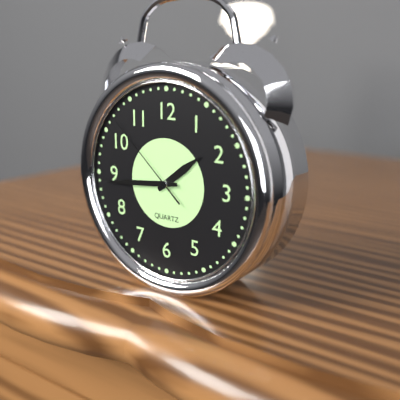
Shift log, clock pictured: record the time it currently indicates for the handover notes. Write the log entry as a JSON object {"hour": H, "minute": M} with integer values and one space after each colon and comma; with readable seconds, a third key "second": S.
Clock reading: {"hour": 1, "minute": 44, "second": 52}
